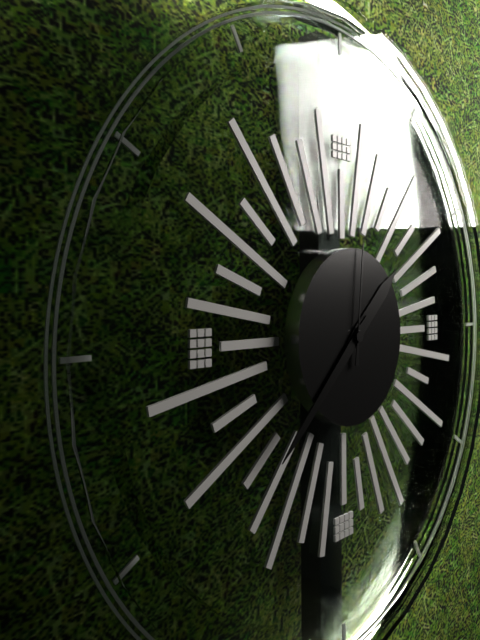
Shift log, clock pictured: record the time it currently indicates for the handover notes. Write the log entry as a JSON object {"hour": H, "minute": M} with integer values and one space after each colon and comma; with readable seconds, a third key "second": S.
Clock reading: {"hour": 1, "minute": 38, "second": 1}
